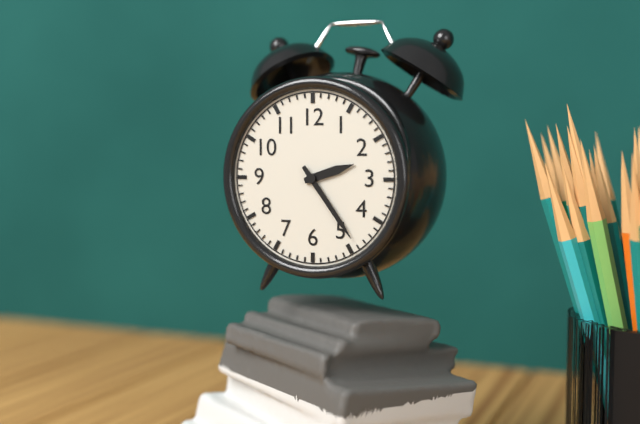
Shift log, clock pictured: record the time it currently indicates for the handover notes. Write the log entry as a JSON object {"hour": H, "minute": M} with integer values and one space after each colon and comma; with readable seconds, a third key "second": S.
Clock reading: {"hour": 2, "minute": 24}
